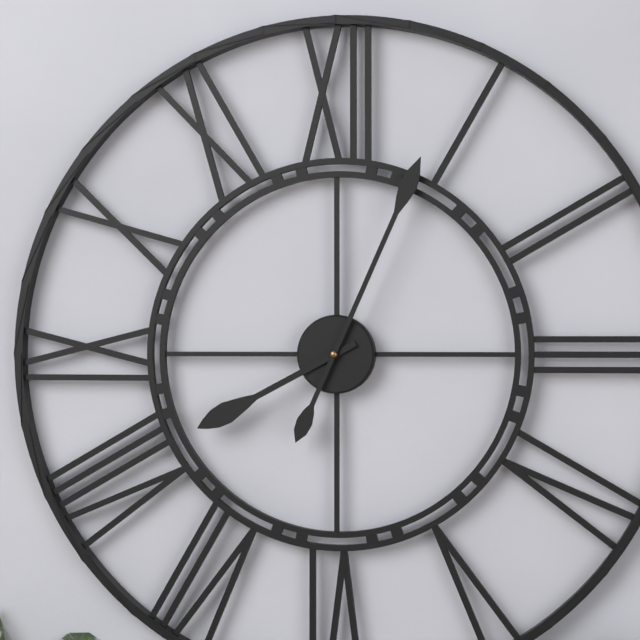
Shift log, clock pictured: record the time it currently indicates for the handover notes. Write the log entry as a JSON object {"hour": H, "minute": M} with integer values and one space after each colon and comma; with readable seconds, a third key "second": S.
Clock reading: {"hour": 8, "minute": 4}
